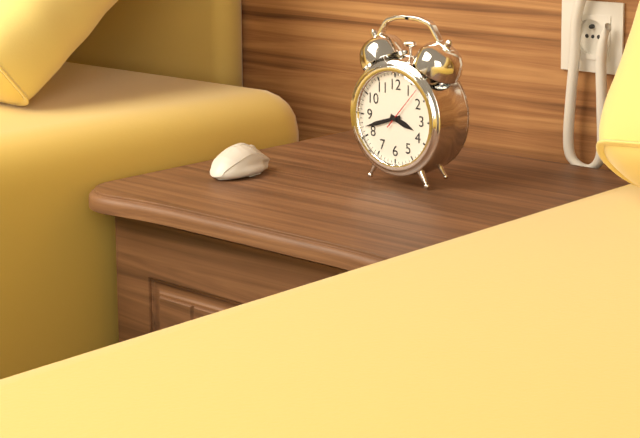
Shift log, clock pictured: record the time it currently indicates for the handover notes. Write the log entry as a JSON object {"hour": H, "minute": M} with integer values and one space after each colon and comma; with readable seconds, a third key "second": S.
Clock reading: {"hour": 3, "minute": 42}
